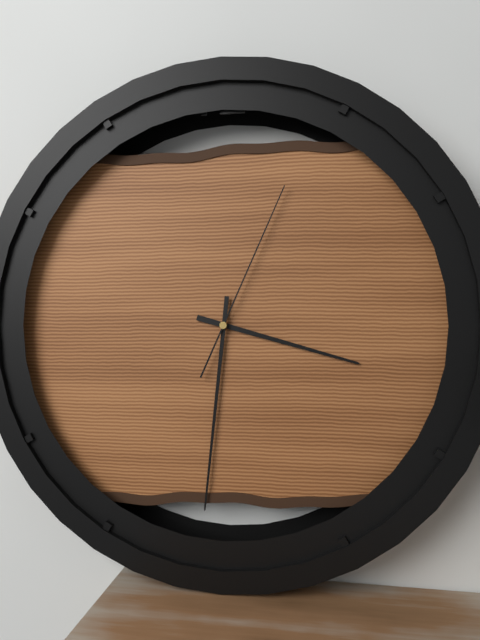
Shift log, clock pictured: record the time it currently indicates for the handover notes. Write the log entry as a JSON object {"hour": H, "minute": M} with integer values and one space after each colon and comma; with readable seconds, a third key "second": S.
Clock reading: {"hour": 3, "minute": 31, "second": 4}
